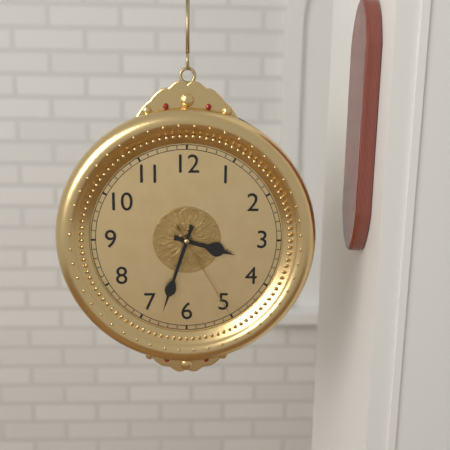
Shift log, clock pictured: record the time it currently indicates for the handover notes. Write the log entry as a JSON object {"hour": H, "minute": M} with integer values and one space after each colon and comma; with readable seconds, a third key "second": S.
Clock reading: {"hour": 3, "minute": 33, "second": 25}
